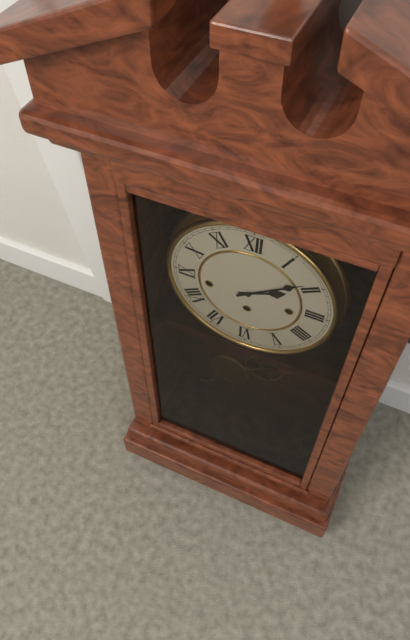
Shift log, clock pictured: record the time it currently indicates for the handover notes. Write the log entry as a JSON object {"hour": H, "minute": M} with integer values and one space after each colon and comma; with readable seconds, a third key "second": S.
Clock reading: {"hour": 2, "minute": 9}
